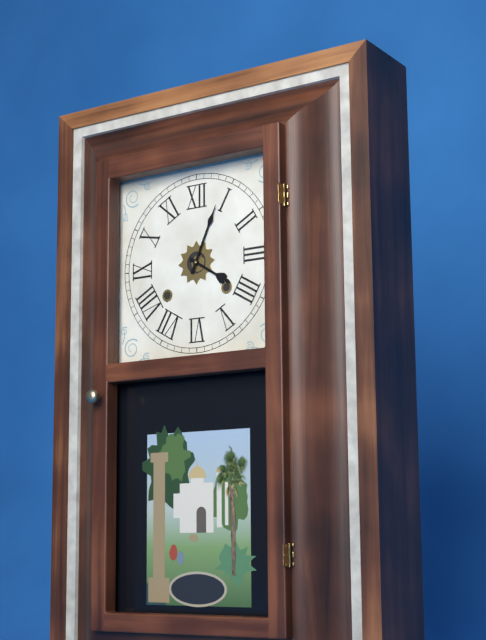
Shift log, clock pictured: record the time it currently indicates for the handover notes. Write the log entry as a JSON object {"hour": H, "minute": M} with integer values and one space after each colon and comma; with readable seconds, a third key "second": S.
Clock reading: {"hour": 4, "minute": 4}
